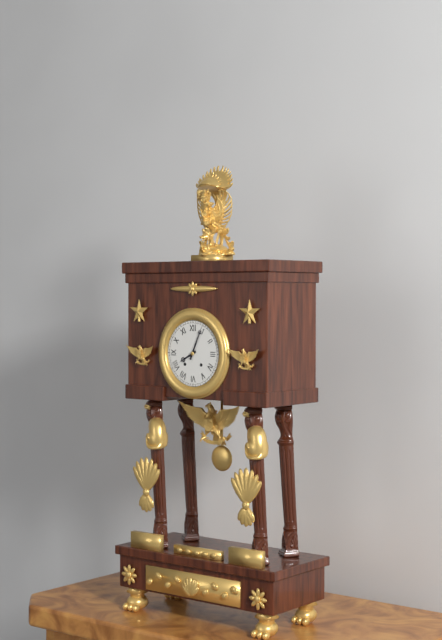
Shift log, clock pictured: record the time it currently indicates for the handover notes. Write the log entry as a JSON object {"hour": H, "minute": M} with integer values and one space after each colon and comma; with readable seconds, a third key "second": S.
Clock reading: {"hour": 8, "minute": 4}
